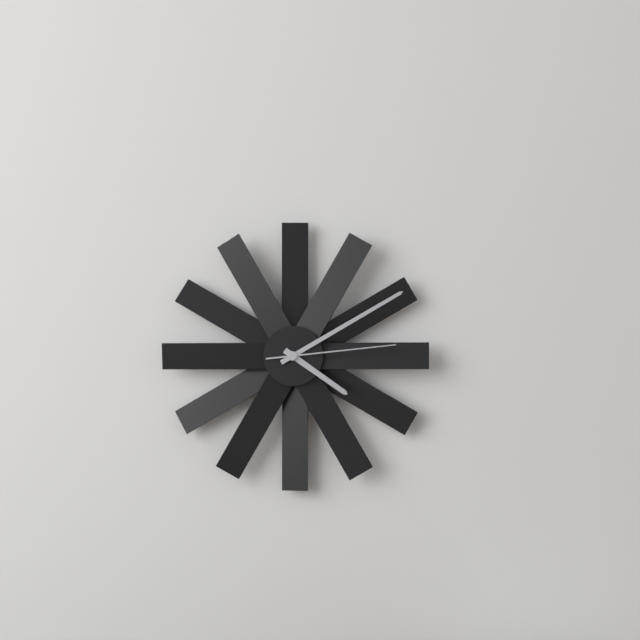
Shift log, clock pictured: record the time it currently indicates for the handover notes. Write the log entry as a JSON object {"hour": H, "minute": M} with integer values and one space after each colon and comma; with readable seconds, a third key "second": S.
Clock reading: {"hour": 4, "minute": 10, "second": 14}
